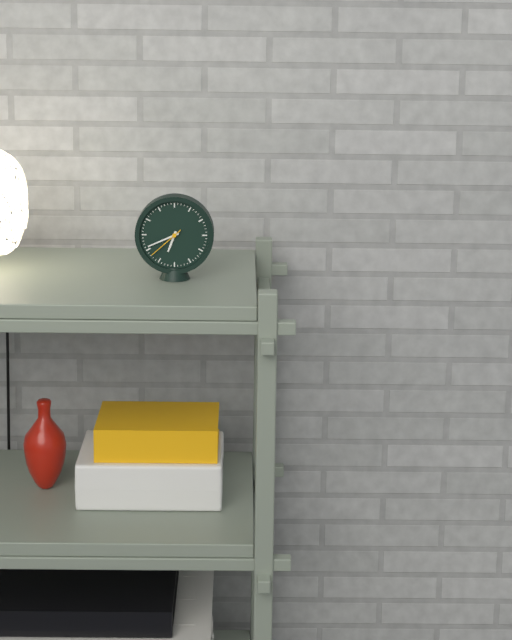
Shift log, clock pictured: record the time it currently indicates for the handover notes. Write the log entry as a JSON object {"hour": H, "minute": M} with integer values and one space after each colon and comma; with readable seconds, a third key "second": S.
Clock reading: {"hour": 6, "minute": 41}
